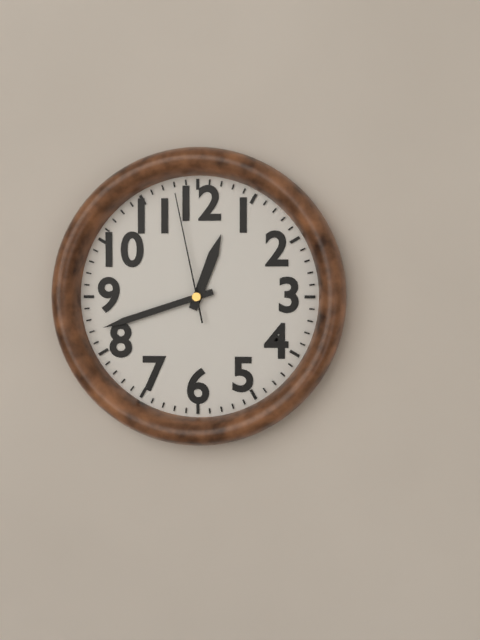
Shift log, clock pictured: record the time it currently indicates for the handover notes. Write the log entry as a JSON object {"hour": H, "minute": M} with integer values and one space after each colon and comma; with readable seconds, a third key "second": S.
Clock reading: {"hour": 12, "minute": 42, "second": 58}
